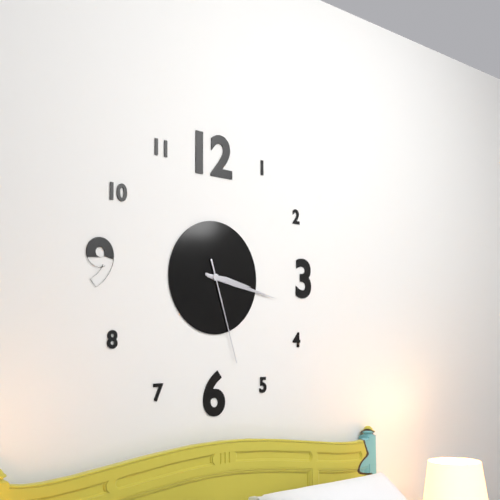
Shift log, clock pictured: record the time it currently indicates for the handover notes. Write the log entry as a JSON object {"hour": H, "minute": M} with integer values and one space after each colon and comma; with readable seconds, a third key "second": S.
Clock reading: {"hour": 3, "minute": 17, "second": 27}
